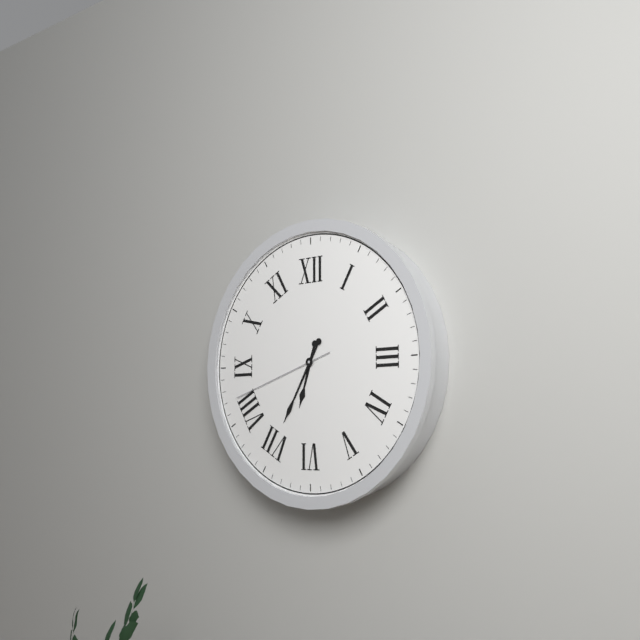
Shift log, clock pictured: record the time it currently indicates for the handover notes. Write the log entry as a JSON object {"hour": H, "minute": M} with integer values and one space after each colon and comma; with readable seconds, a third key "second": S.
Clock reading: {"hour": 6, "minute": 35, "second": 42}
